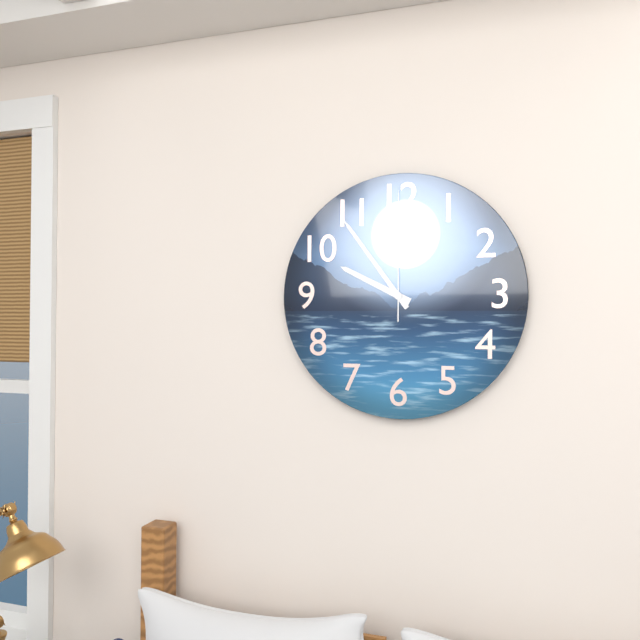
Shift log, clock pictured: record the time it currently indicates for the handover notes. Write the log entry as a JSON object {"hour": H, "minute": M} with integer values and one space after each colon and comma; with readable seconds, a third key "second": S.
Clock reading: {"hour": 9, "minute": 54, "second": 0}
